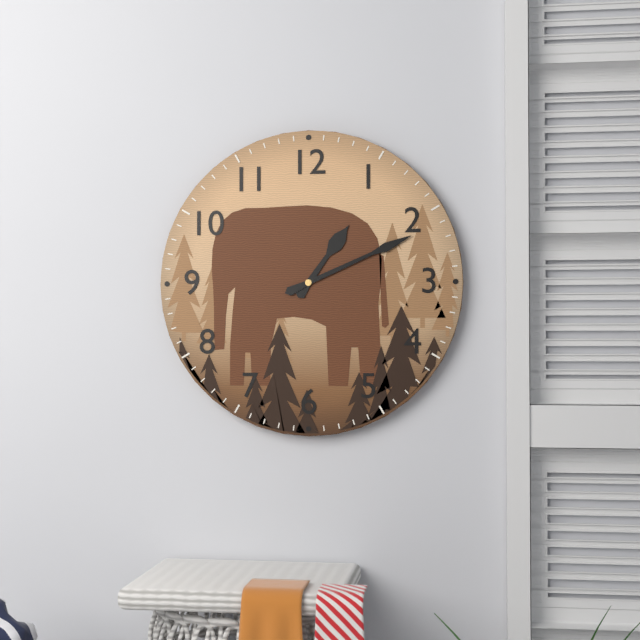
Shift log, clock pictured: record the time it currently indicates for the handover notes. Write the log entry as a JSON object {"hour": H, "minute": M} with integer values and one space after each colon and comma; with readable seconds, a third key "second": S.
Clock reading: {"hour": 1, "minute": 11}
